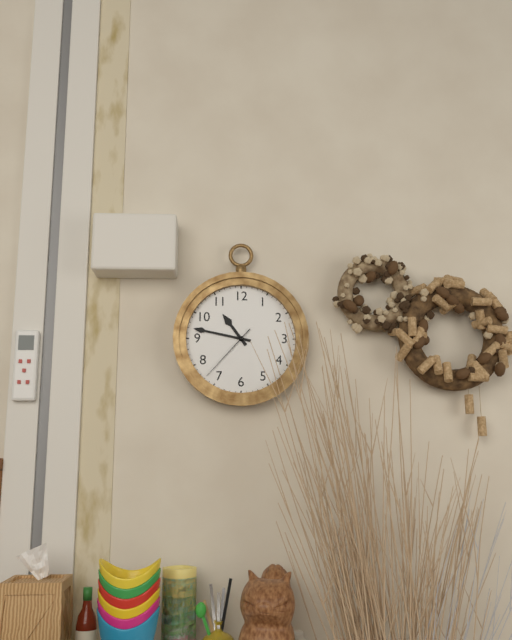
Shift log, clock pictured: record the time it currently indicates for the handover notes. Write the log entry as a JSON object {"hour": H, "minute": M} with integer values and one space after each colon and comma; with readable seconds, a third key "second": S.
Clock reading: {"hour": 10, "minute": 47, "second": 37}
